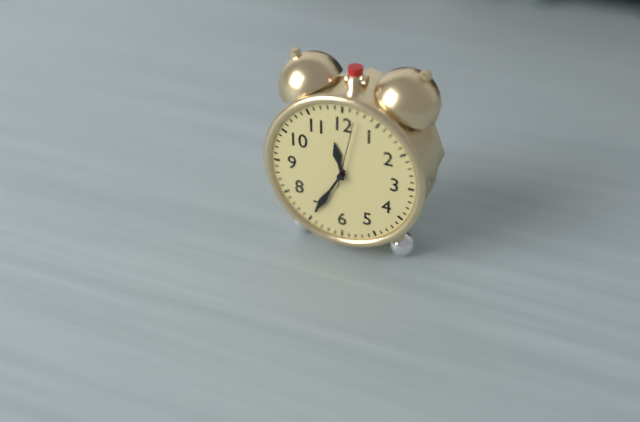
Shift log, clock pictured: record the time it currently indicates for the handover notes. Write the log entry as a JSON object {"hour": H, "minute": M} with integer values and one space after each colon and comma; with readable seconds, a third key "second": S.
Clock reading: {"hour": 11, "minute": 35, "second": 2}
